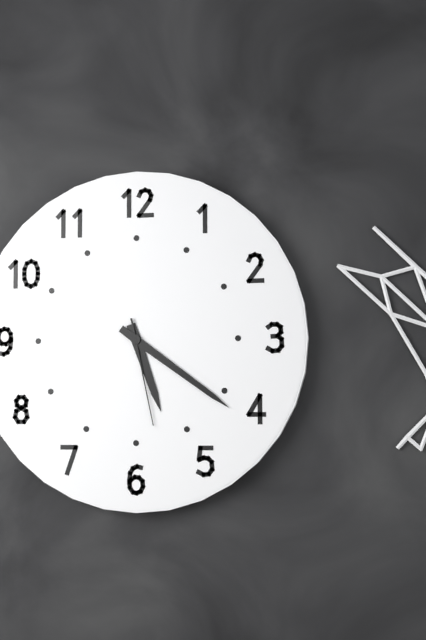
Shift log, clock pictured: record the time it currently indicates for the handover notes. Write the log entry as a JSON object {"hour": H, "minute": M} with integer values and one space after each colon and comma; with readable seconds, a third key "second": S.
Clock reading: {"hour": 5, "minute": 21, "second": 28}
